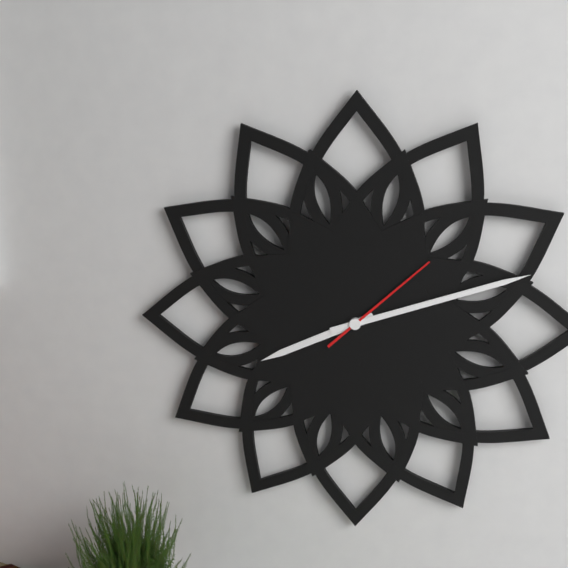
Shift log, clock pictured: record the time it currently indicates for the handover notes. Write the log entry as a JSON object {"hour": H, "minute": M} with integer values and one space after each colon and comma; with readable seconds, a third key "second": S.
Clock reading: {"hour": 8, "minute": 12, "second": 8}
